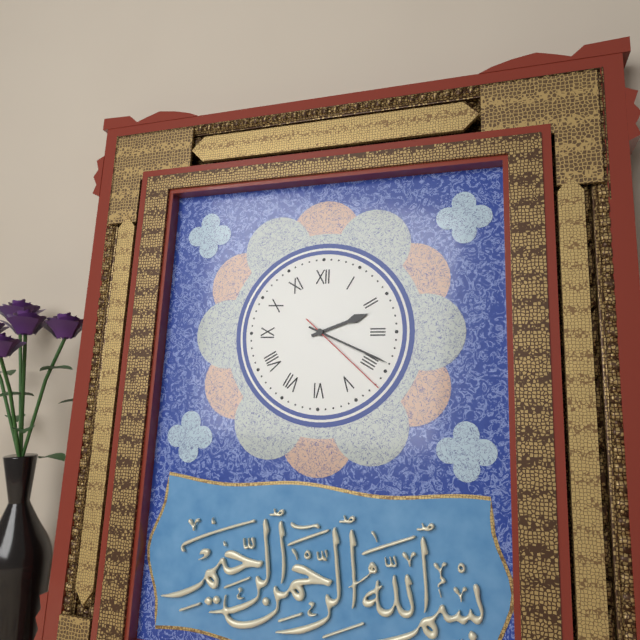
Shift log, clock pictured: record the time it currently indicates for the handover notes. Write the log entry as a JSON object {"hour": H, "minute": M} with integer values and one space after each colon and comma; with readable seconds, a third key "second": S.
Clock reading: {"hour": 2, "minute": 19, "second": 22}
